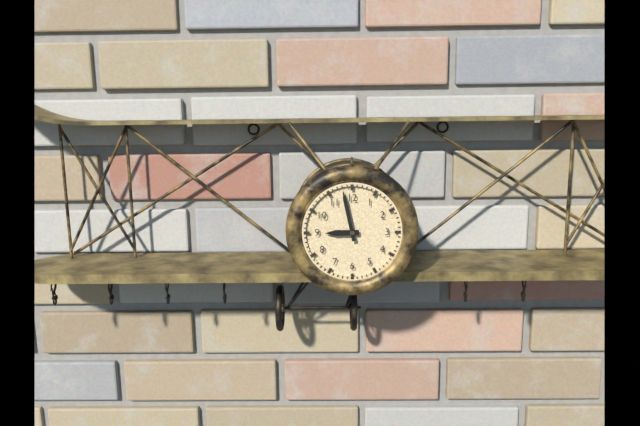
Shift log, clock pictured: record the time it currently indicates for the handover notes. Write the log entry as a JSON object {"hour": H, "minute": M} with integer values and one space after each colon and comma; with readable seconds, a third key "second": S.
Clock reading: {"hour": 8, "minute": 58}
